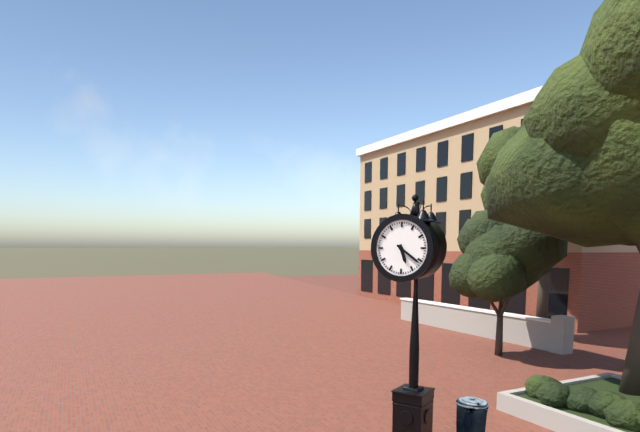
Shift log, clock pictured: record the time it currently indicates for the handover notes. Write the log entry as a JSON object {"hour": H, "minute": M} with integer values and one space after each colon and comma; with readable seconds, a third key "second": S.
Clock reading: {"hour": 5, "minute": 21}
